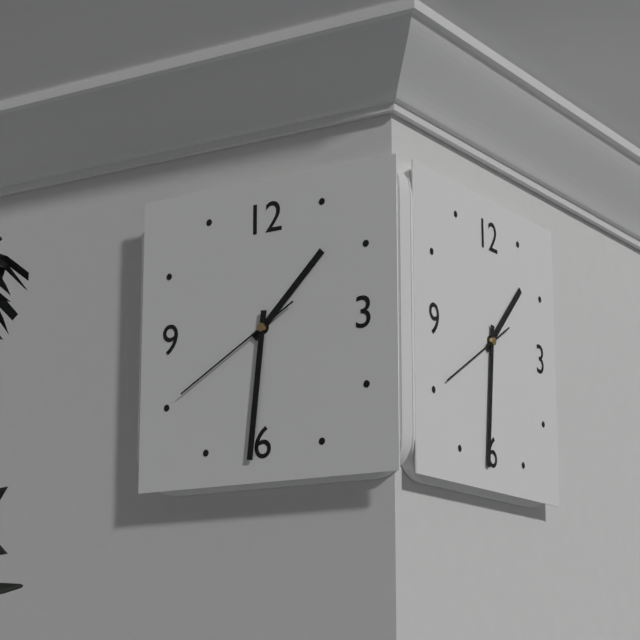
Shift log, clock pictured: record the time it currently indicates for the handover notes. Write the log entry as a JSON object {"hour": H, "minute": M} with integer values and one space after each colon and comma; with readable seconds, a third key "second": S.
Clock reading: {"hour": 1, "minute": 31, "second": 40}
